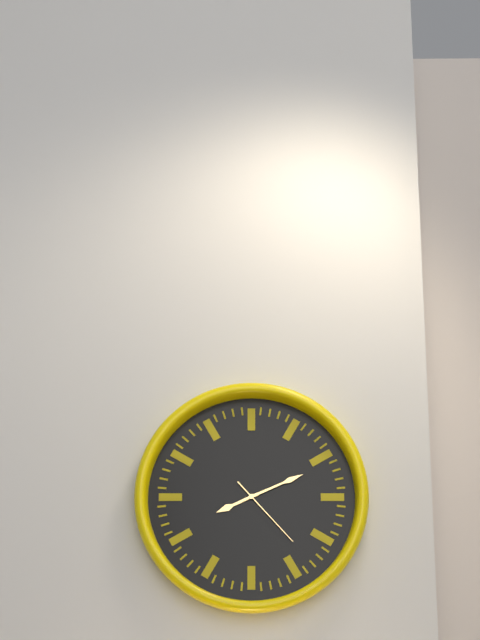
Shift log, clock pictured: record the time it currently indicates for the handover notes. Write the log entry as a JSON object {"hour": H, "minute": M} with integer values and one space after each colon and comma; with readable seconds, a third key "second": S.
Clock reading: {"hour": 8, "minute": 11, "second": 23}
